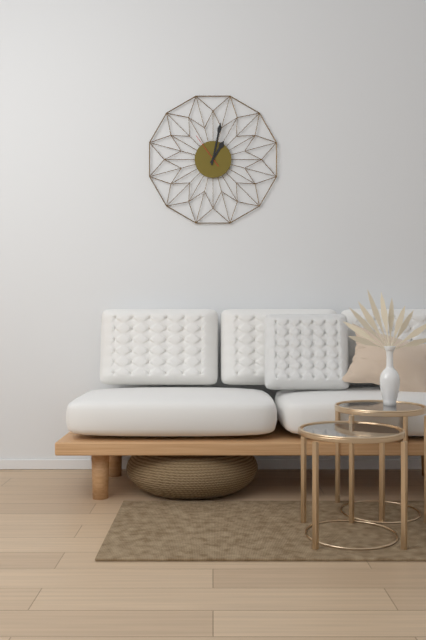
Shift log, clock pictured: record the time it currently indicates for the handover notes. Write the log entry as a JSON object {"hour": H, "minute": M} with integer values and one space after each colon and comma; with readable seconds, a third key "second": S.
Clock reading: {"hour": 1, "minute": 2}
